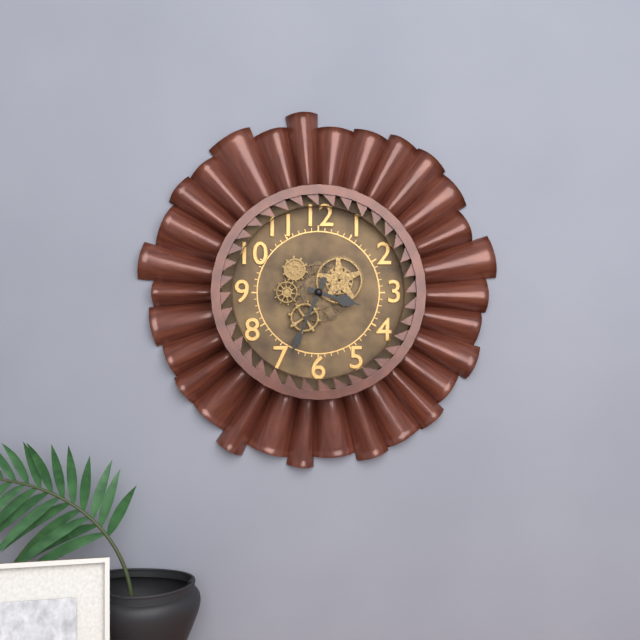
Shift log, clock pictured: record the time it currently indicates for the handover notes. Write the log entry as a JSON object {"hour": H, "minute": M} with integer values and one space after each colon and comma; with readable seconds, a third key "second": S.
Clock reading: {"hour": 3, "minute": 34}
